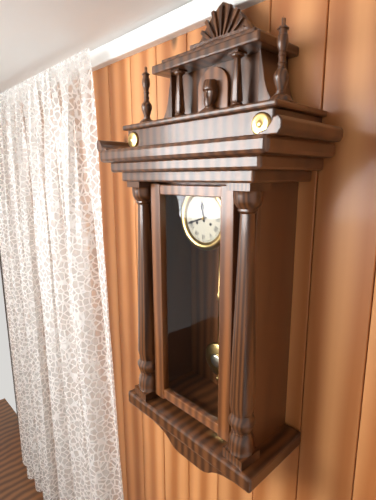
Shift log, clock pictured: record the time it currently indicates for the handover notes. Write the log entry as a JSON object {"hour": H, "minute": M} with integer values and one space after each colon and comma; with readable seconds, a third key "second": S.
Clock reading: {"hour": 11, "minute": 42}
